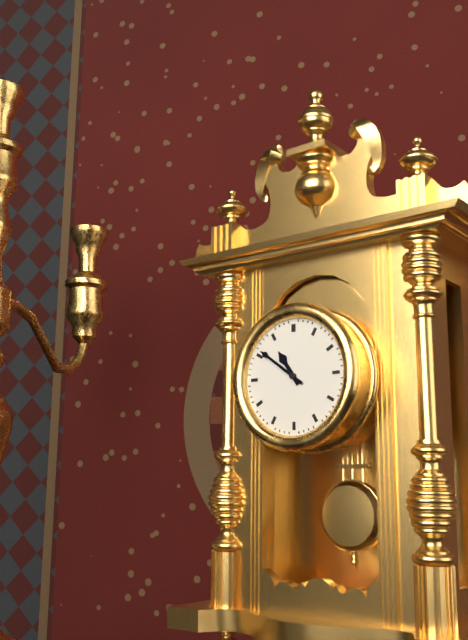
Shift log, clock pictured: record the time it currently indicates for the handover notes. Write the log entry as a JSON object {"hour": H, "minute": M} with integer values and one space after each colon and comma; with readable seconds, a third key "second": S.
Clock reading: {"hour": 10, "minute": 51}
